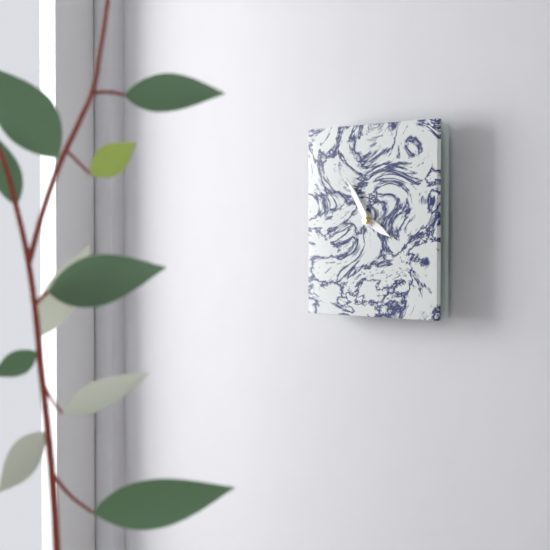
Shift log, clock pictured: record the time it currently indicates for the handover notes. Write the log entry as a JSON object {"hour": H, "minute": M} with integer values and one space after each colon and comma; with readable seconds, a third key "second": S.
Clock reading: {"hour": 3, "minute": 54}
